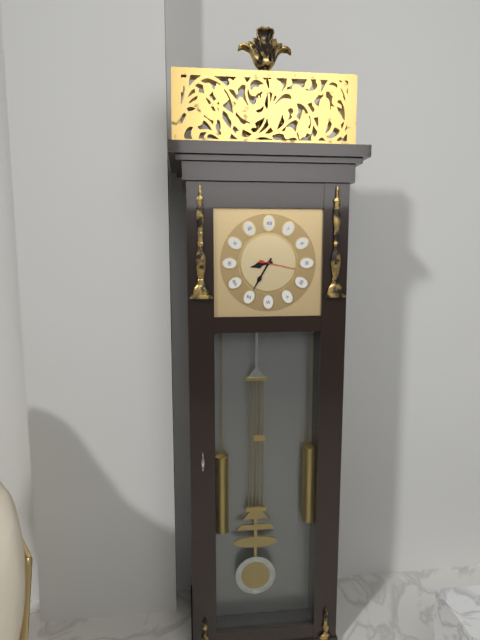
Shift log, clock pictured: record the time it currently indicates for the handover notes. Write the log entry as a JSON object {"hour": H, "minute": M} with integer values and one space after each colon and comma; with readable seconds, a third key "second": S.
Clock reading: {"hour": 8, "minute": 35}
